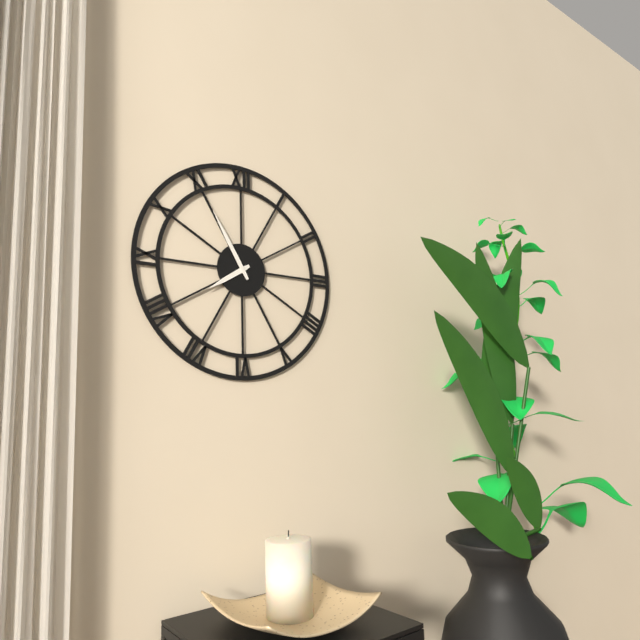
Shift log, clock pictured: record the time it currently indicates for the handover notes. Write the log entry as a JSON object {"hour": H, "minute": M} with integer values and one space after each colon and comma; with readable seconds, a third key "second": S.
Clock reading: {"hour": 7, "minute": 55}
